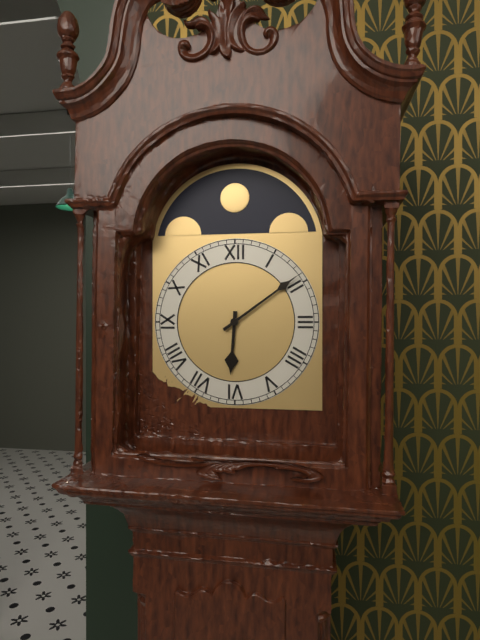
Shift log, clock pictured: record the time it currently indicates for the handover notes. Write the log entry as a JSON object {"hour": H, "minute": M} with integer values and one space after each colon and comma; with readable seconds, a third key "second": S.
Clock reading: {"hour": 6, "minute": 9}
